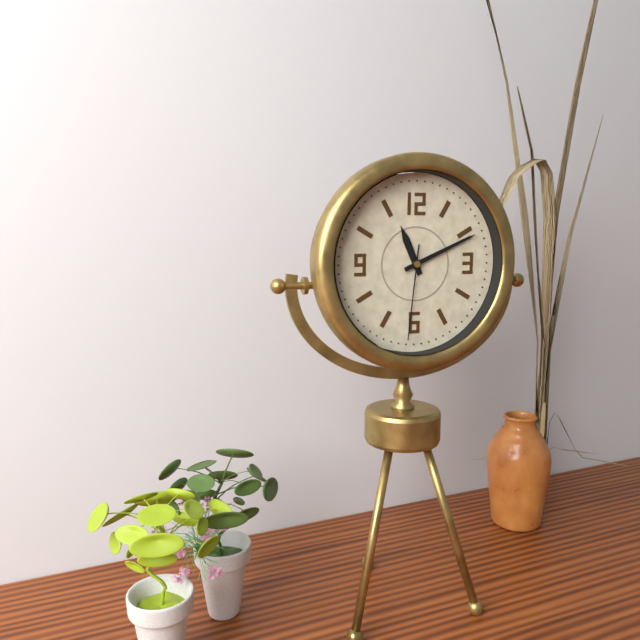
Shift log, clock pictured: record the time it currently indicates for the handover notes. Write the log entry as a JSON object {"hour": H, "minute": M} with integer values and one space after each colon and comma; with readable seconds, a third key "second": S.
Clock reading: {"hour": 11, "minute": 11, "second": 31}
